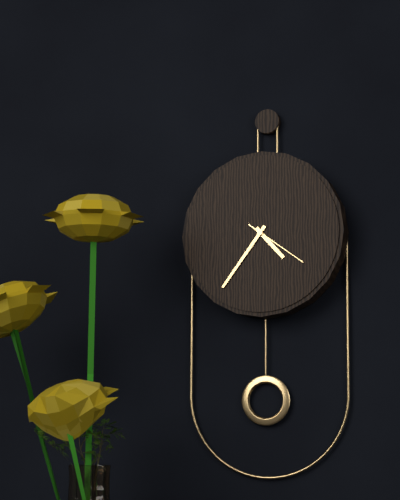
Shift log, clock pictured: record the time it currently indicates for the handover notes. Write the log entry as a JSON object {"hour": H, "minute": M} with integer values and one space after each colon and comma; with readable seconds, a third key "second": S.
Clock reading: {"hour": 4, "minute": 36, "second": 21}
